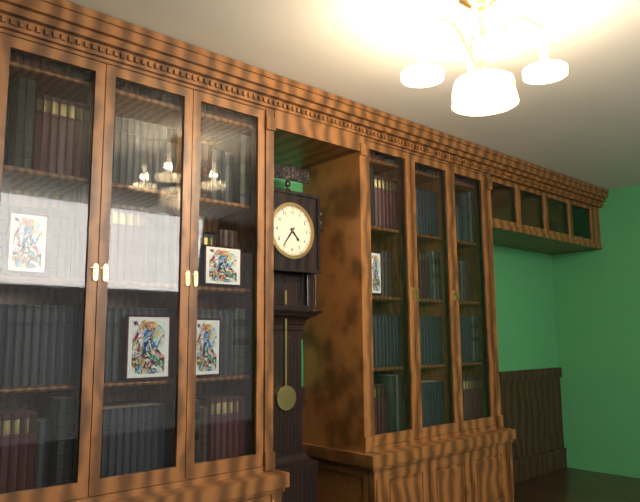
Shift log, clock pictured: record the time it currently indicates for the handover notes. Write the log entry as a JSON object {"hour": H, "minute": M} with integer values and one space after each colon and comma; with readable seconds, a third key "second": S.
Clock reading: {"hour": 4, "minute": 36}
